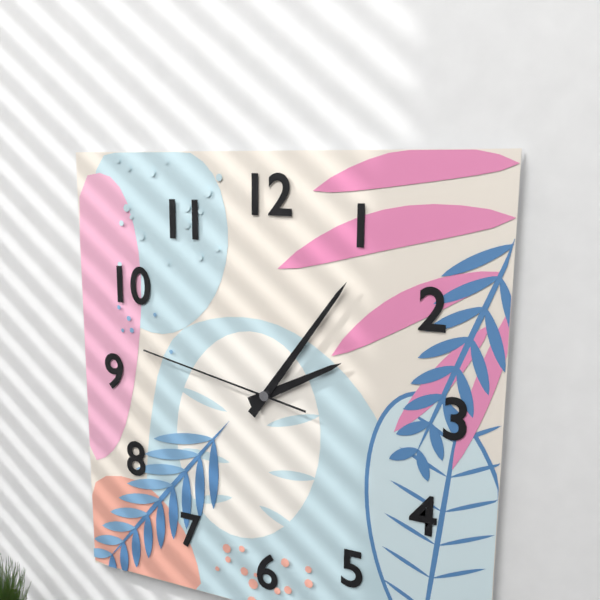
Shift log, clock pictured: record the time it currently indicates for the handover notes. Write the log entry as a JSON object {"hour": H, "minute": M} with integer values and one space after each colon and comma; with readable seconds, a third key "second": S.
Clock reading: {"hour": 2, "minute": 6, "second": 47}
